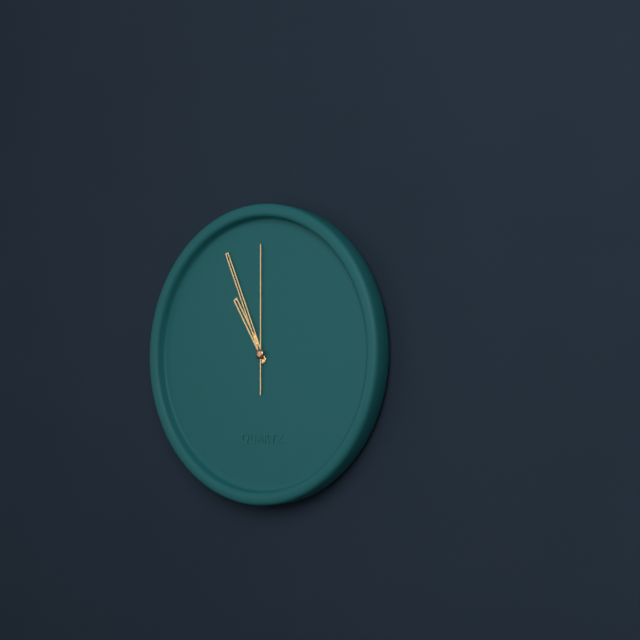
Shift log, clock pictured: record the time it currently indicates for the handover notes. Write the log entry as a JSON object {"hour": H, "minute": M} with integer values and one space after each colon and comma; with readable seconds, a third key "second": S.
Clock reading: {"hour": 10, "minute": 56, "second": 0}
